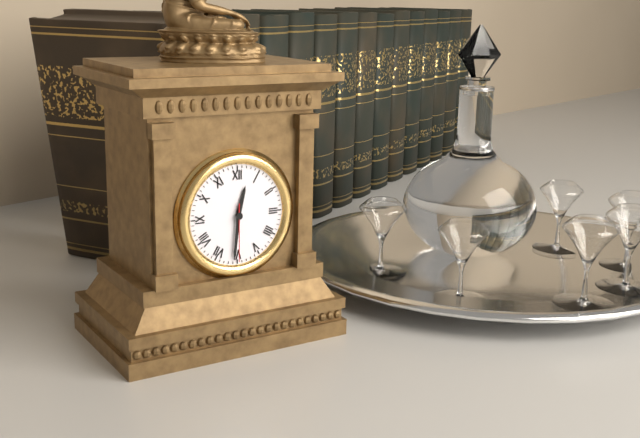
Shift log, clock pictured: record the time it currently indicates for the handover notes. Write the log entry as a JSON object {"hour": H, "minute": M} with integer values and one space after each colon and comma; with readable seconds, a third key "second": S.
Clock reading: {"hour": 12, "minute": 31, "second": 30}
